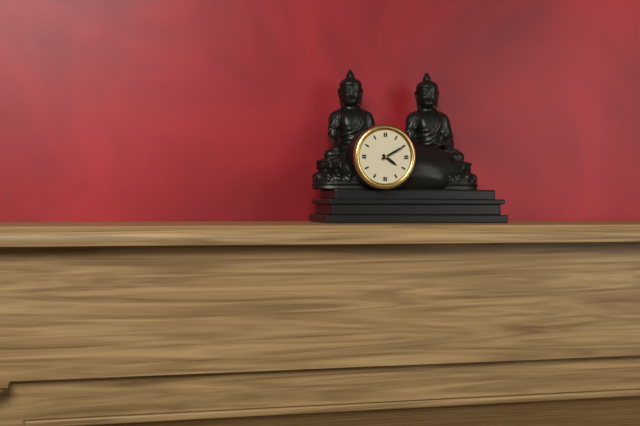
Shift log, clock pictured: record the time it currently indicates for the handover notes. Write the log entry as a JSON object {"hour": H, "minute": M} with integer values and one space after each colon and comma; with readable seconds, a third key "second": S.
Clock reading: {"hour": 4, "minute": 10}
